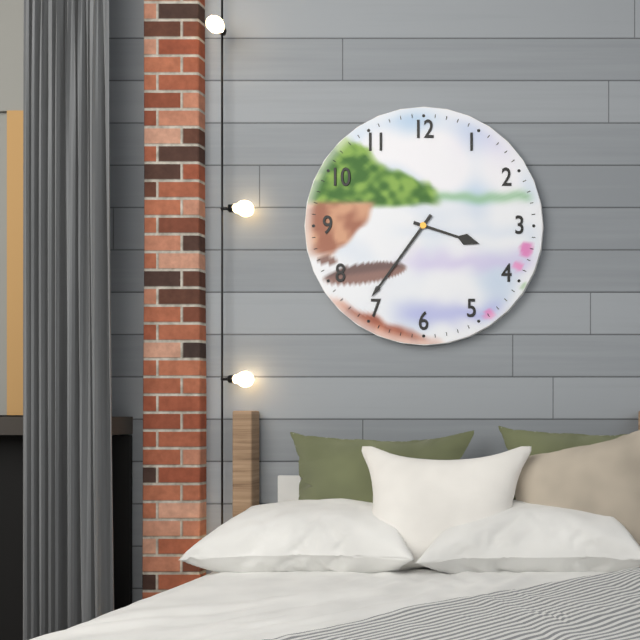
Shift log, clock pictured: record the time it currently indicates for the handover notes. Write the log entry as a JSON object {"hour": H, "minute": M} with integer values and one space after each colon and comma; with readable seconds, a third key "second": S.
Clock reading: {"hour": 3, "minute": 36}
